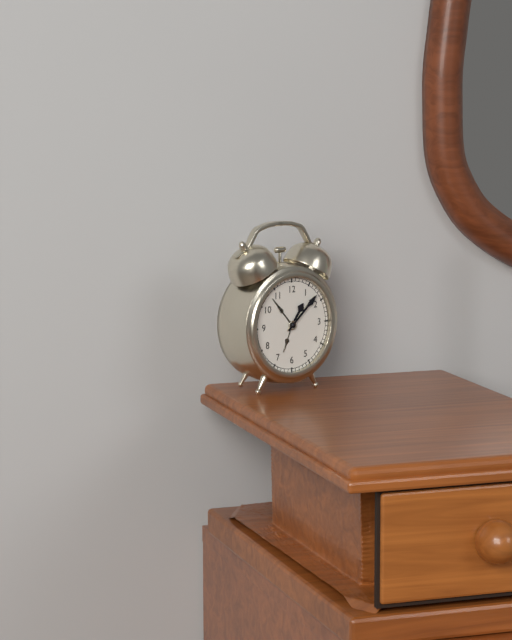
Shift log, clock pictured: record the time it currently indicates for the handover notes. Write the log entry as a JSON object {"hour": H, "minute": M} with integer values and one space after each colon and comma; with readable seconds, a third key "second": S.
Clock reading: {"hour": 1, "minute": 8}
